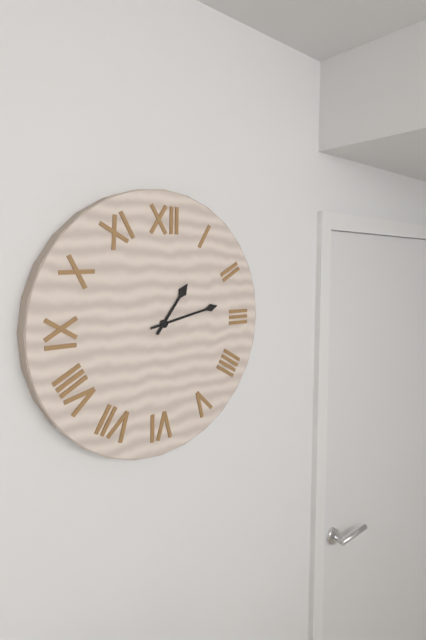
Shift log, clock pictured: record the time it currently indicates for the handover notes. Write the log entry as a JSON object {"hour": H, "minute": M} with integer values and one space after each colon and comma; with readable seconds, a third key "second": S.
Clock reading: {"hour": 1, "minute": 13}
